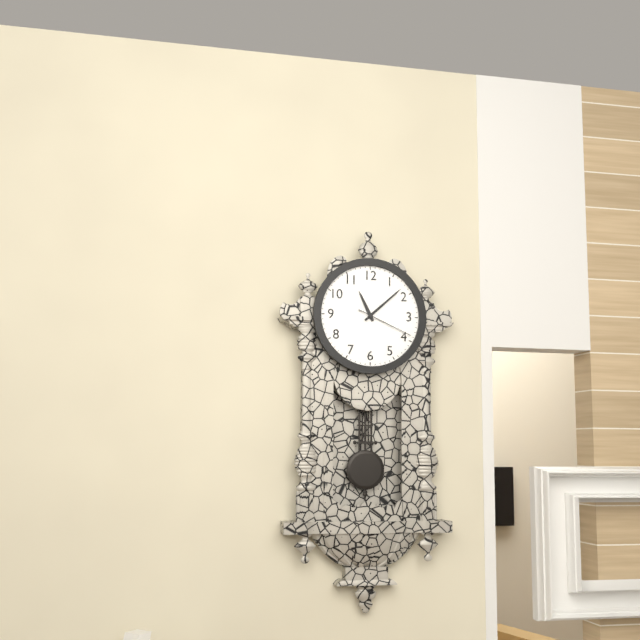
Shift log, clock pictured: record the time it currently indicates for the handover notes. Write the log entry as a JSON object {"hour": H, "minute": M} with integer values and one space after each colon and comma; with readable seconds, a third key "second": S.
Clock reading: {"hour": 11, "minute": 8, "second": 19}
